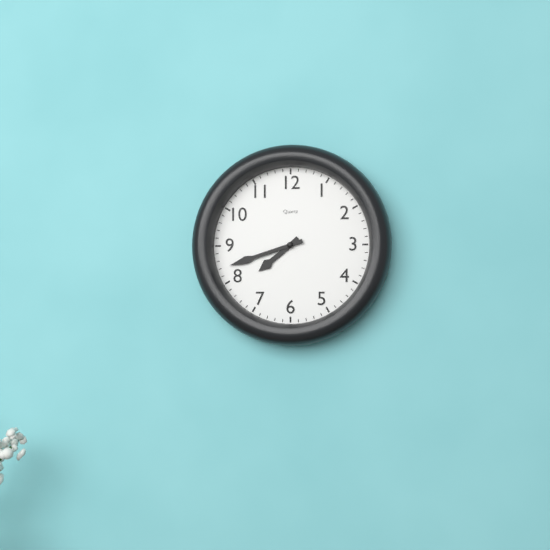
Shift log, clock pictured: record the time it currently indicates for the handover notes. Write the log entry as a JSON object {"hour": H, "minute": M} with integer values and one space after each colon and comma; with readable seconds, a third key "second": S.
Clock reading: {"hour": 7, "minute": 42}
